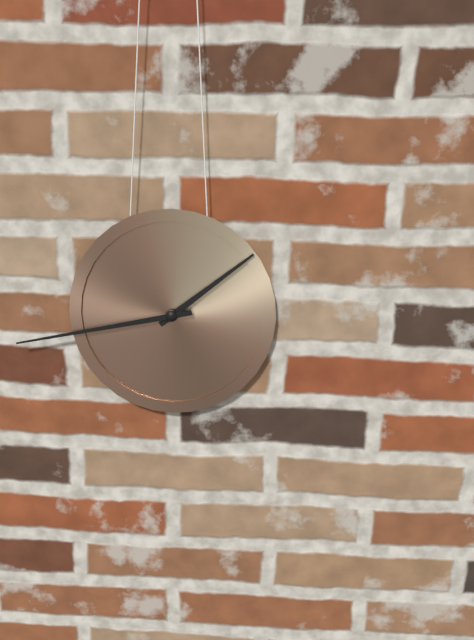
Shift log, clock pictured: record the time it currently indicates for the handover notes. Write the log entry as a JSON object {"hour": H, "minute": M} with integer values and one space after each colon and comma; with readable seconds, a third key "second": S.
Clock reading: {"hour": 1, "minute": 43}
